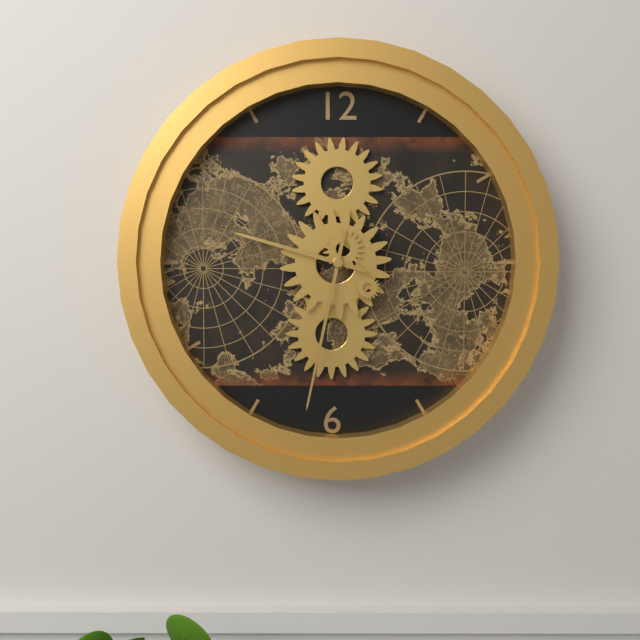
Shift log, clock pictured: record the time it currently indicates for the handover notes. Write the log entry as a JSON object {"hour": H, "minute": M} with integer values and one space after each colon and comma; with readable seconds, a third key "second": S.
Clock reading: {"hour": 9, "minute": 32}
